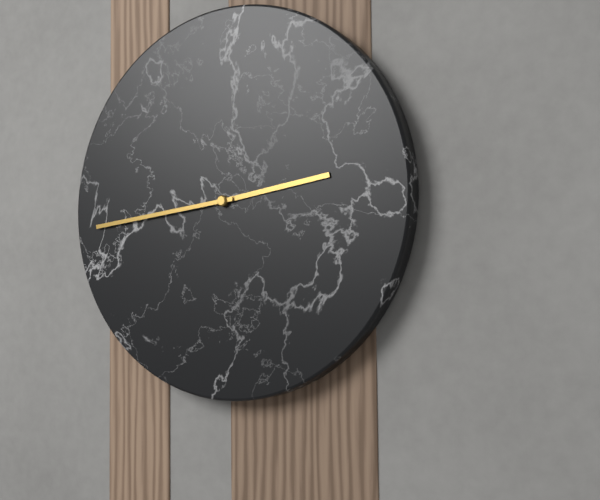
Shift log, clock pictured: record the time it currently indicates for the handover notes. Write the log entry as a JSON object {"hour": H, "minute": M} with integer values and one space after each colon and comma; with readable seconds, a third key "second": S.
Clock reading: {"hour": 2, "minute": 44}
